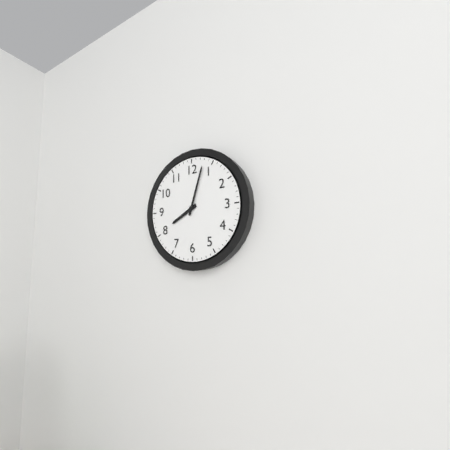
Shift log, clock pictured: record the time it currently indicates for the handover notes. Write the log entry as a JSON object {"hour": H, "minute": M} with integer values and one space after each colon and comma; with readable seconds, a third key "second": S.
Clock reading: {"hour": 8, "minute": 3}
